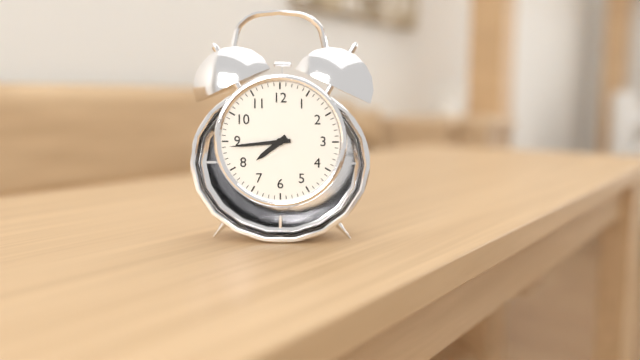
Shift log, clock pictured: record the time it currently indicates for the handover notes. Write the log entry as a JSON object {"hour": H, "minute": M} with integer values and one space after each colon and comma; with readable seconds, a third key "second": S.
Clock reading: {"hour": 7, "minute": 44}
